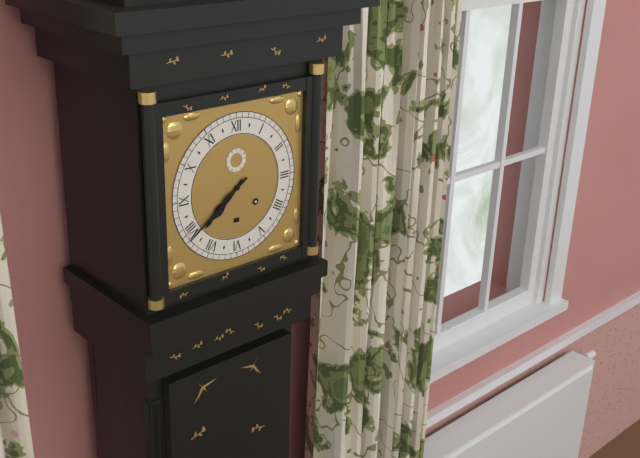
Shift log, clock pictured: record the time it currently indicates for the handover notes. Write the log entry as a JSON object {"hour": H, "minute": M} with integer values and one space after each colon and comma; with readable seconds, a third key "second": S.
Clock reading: {"hour": 7, "minute": 39}
